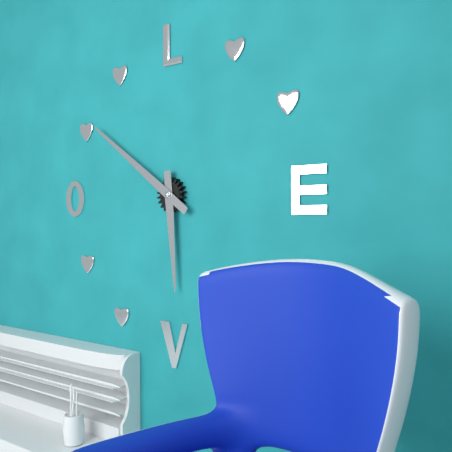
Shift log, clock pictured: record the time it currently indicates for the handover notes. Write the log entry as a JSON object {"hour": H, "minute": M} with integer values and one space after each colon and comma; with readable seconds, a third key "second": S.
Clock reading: {"hour": 5, "minute": 51}
